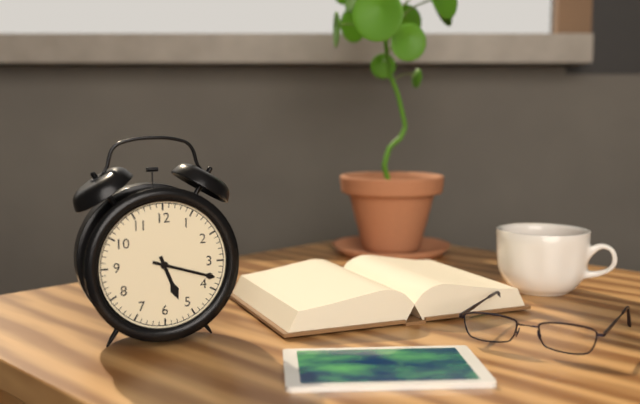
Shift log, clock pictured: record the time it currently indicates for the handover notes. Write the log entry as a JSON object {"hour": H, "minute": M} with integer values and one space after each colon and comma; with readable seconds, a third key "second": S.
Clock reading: {"hour": 5, "minute": 18}
